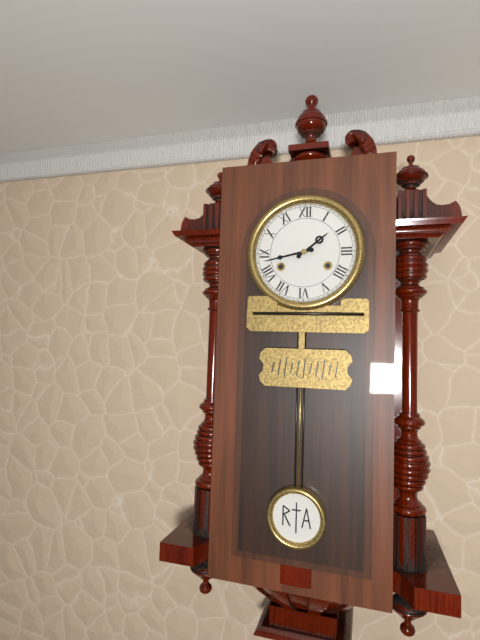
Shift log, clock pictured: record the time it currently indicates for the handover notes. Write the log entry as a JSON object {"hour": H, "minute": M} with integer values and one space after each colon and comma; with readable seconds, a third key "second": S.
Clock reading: {"hour": 1, "minute": 43}
